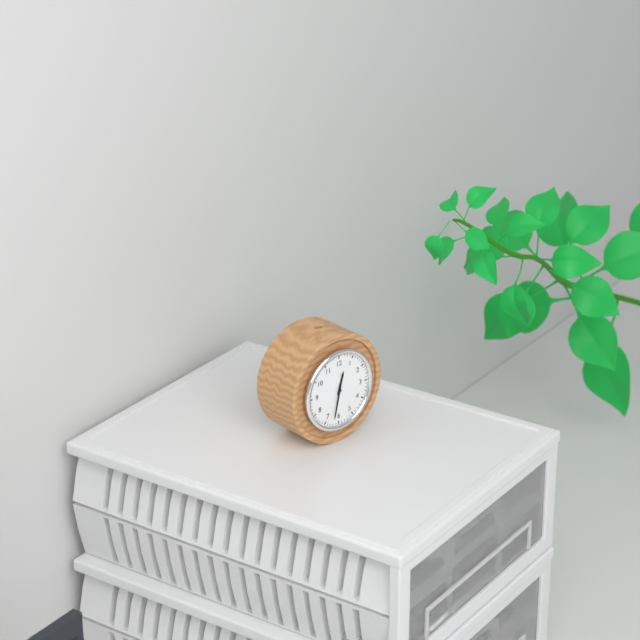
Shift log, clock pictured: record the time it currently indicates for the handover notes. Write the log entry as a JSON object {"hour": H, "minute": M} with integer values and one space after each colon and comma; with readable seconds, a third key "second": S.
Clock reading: {"hour": 12, "minute": 32}
